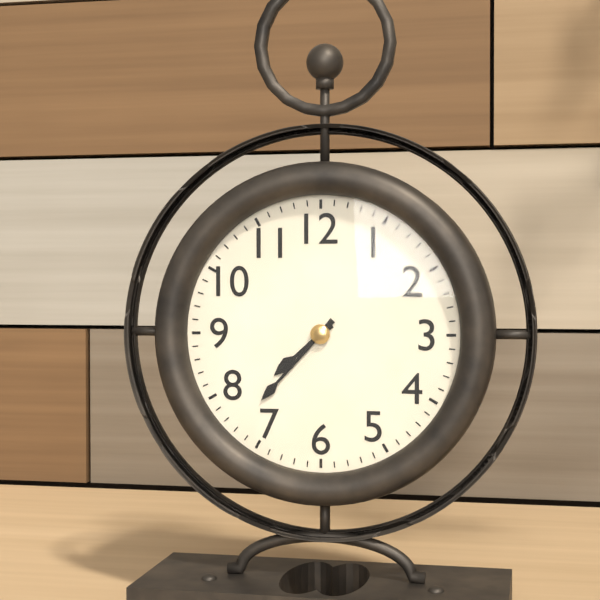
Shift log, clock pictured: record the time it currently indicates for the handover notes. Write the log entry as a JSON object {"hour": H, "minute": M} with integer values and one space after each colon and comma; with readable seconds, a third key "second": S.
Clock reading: {"hour": 7, "minute": 37}
